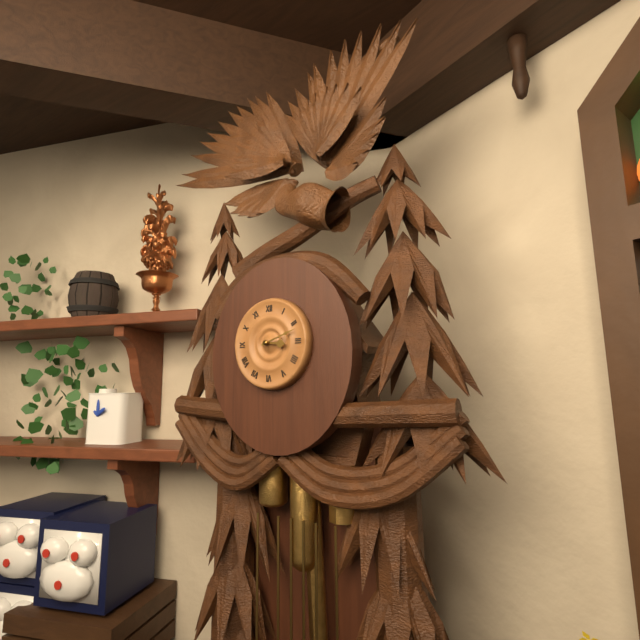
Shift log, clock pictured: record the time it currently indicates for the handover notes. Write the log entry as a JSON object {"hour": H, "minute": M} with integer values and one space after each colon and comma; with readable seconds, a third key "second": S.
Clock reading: {"hour": 3, "minute": 12}
